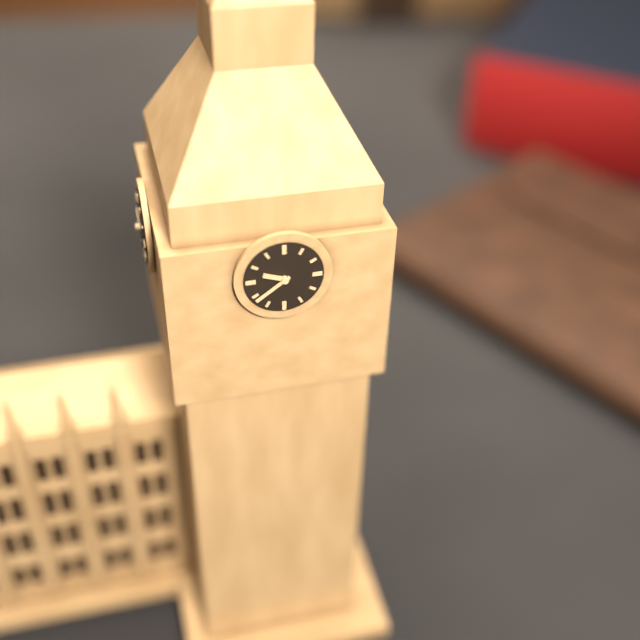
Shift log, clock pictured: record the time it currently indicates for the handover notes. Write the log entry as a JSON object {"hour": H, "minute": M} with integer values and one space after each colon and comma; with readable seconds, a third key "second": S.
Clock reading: {"hour": 9, "minute": 39}
